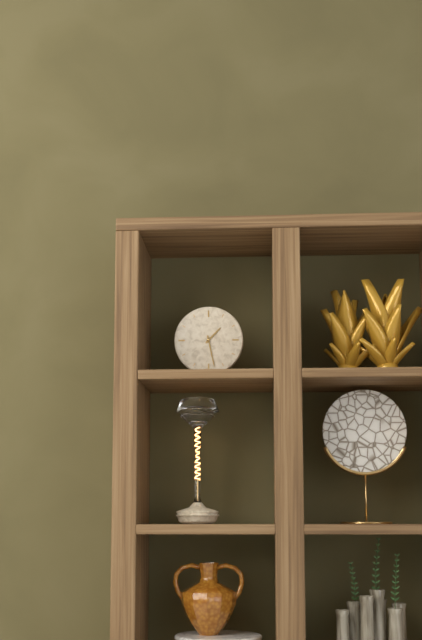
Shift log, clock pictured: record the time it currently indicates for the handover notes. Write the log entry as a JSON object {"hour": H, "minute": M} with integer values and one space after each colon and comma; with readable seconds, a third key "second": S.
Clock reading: {"hour": 1, "minute": 28}
